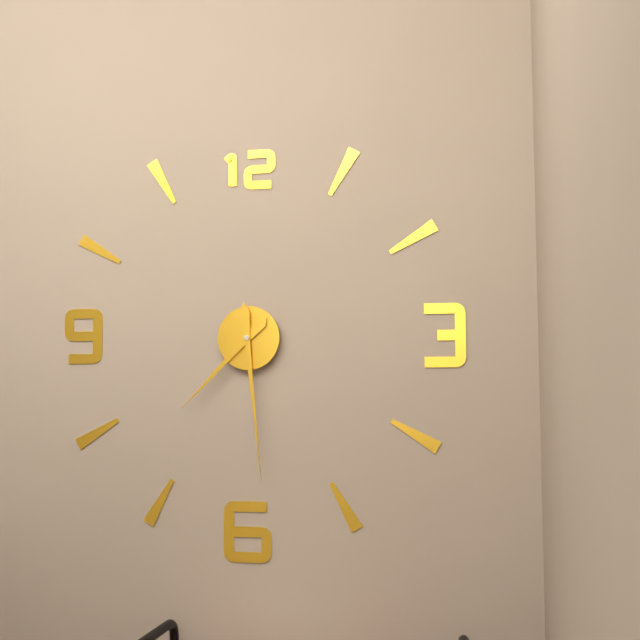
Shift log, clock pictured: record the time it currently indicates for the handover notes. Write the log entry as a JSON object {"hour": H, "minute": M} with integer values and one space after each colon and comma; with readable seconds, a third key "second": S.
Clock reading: {"hour": 7, "minute": 29}
